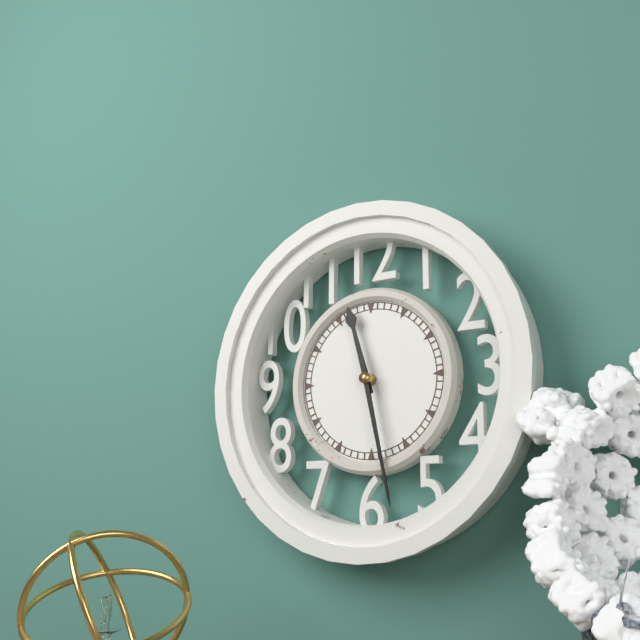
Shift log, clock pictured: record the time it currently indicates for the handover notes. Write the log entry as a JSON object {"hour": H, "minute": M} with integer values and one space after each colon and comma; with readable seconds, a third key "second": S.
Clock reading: {"hour": 11, "minute": 28}
